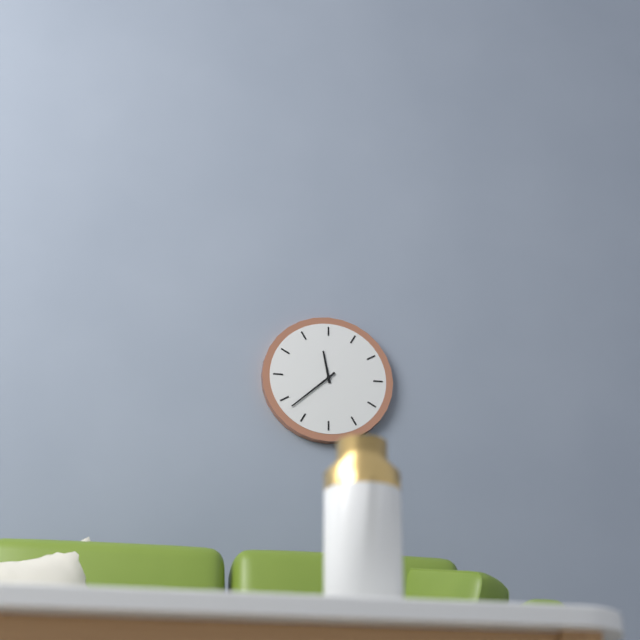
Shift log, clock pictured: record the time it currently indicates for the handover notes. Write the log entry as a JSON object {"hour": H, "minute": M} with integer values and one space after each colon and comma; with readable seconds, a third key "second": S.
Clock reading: {"hour": 11, "minute": 38}
